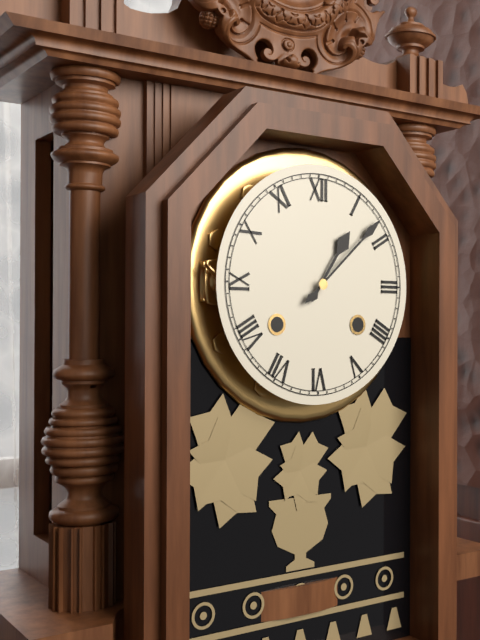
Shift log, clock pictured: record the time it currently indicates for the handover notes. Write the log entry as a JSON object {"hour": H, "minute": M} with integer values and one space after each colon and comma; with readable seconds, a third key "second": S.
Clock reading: {"hour": 1, "minute": 8}
